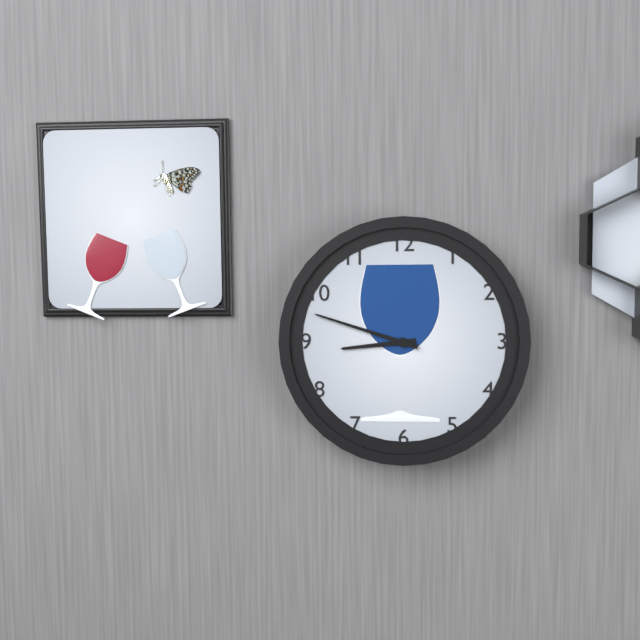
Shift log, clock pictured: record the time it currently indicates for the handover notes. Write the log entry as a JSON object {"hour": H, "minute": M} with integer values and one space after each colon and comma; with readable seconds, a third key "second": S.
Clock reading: {"hour": 8, "minute": 48}
